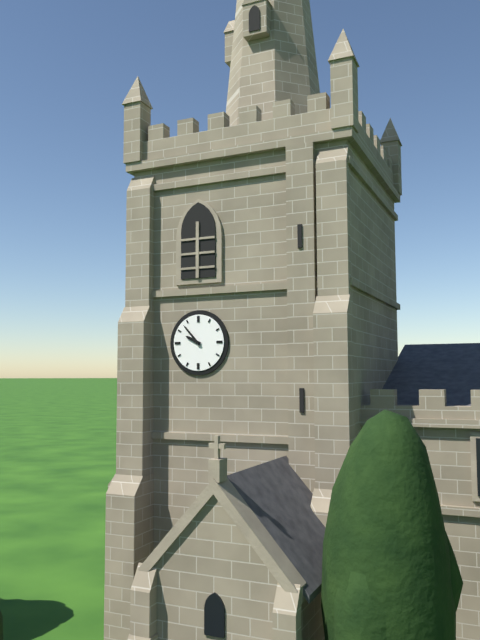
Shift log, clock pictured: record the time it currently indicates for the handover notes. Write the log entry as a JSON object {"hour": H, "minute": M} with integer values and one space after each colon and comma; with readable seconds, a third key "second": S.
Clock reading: {"hour": 9, "minute": 53}
